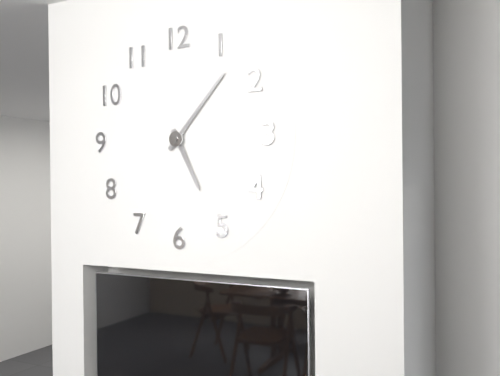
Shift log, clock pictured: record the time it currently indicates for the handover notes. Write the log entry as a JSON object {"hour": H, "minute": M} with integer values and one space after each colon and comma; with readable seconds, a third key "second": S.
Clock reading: {"hour": 5, "minute": 7}
